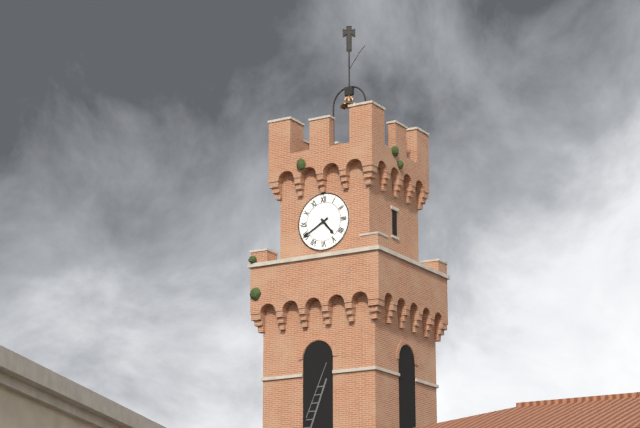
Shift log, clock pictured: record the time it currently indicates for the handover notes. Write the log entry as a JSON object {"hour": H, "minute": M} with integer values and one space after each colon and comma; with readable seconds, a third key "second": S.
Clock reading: {"hour": 4, "minute": 40}
